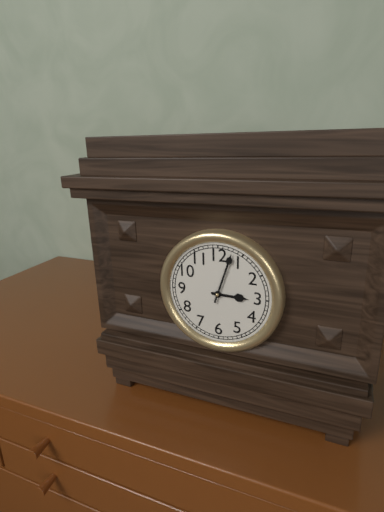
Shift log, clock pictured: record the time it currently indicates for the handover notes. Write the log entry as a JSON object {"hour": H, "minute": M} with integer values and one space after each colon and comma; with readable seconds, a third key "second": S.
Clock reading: {"hour": 3, "minute": 3}
